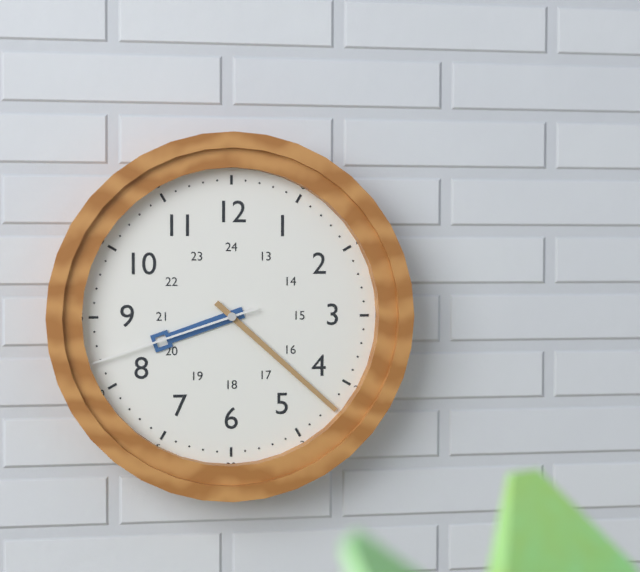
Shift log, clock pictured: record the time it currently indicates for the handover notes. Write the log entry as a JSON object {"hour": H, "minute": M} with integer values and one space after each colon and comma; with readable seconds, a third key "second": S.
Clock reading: {"hour": 8, "minute": 22, "second": 42}
